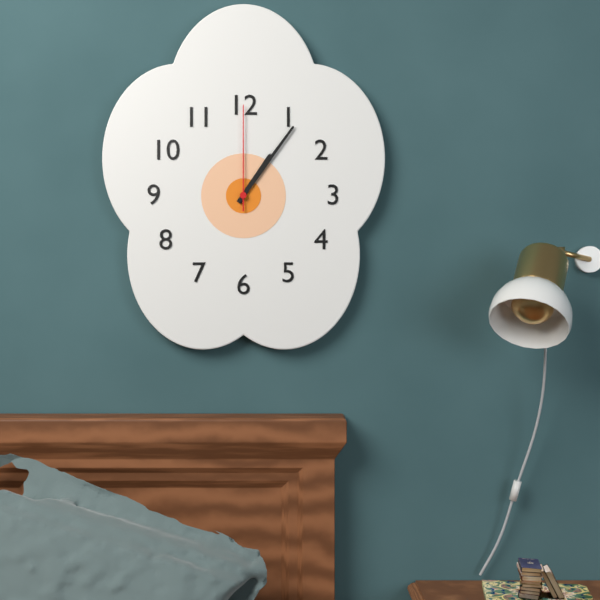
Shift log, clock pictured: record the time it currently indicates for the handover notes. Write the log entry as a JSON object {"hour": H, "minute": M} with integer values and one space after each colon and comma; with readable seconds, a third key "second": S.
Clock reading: {"hour": 1, "minute": 6, "second": 0}
